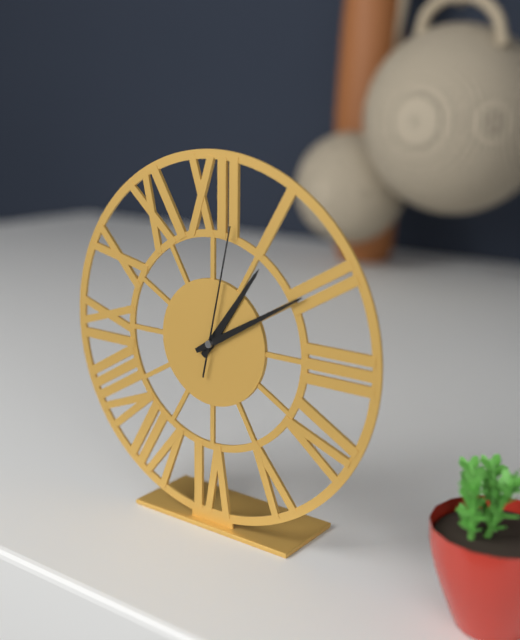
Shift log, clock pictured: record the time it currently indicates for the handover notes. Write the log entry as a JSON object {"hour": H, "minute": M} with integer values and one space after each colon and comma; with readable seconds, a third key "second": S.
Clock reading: {"hour": 1, "minute": 10, "second": 2}
